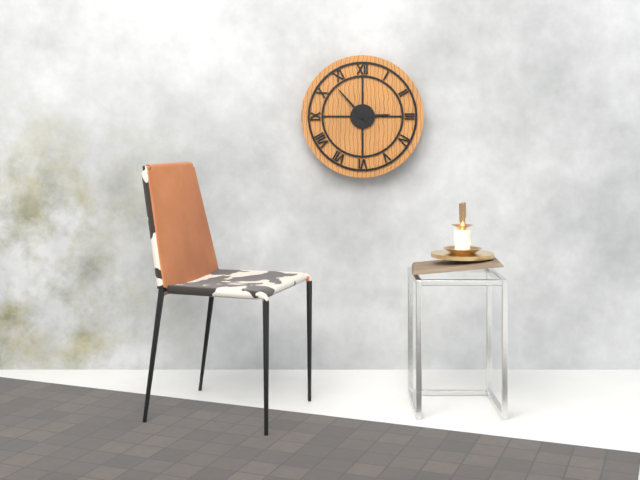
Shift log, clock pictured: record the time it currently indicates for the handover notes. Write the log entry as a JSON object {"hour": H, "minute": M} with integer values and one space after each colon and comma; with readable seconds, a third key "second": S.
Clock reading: {"hour": 2, "minute": 53}
